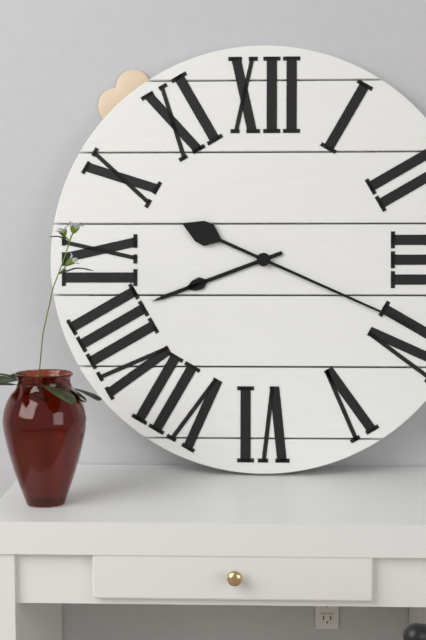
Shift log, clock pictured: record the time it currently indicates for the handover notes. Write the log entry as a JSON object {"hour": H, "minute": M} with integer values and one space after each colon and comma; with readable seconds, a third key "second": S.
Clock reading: {"hour": 8, "minute": 19}
